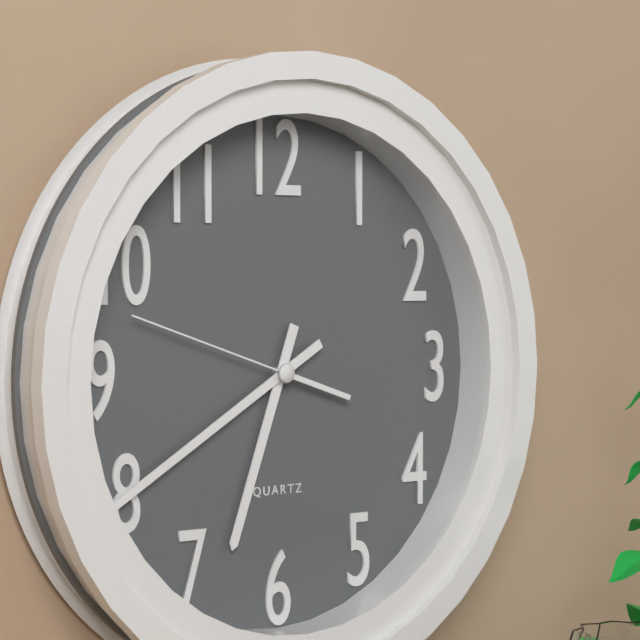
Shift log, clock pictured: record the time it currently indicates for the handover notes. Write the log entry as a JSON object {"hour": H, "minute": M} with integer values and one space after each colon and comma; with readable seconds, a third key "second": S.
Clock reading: {"hour": 6, "minute": 40, "second": 48}
